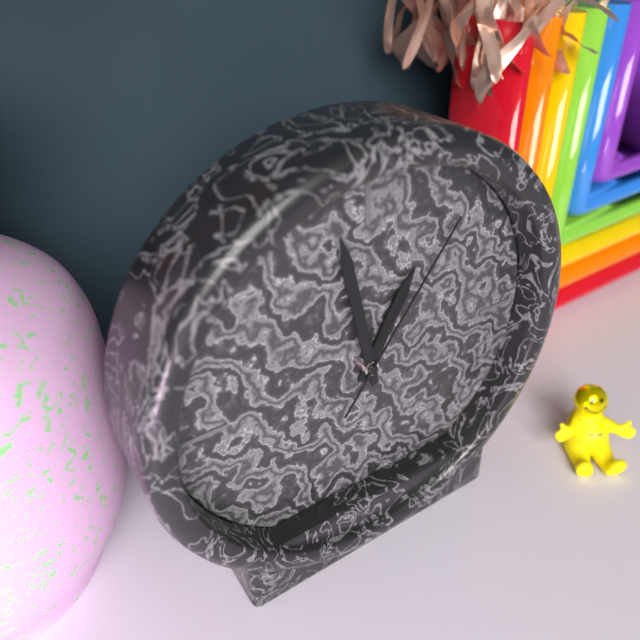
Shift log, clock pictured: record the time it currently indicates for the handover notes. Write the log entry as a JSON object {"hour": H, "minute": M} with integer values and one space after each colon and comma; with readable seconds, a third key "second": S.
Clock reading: {"hour": 12, "minute": 58, "second": 6}
